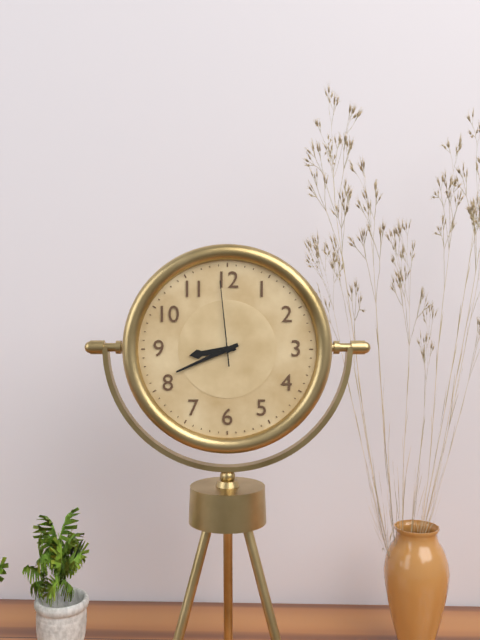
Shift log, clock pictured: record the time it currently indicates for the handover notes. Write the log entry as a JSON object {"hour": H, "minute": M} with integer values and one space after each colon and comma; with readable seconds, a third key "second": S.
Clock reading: {"hour": 8, "minute": 41, "second": 59}
